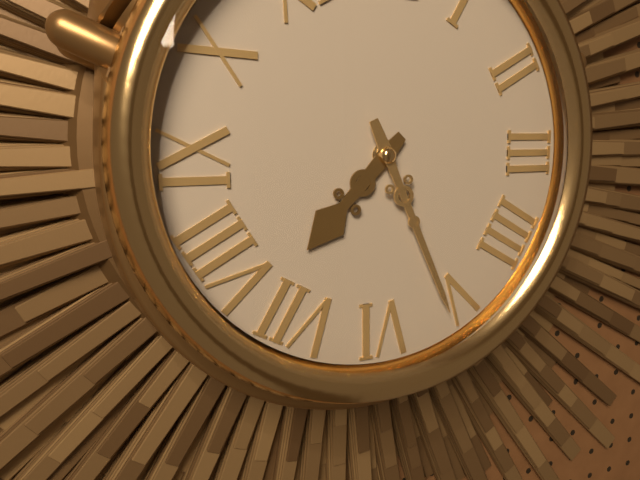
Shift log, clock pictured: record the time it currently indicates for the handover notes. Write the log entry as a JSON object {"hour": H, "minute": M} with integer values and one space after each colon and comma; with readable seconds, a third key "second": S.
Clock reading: {"hour": 7, "minute": 26}
